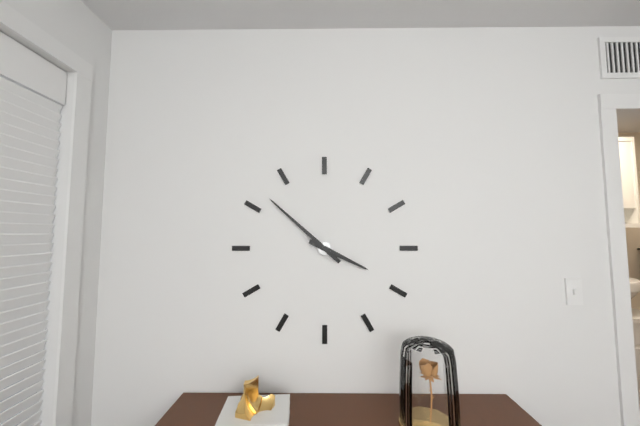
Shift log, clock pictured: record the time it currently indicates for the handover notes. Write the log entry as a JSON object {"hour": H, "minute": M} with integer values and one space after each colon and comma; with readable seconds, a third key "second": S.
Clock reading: {"hour": 3, "minute": 52}
